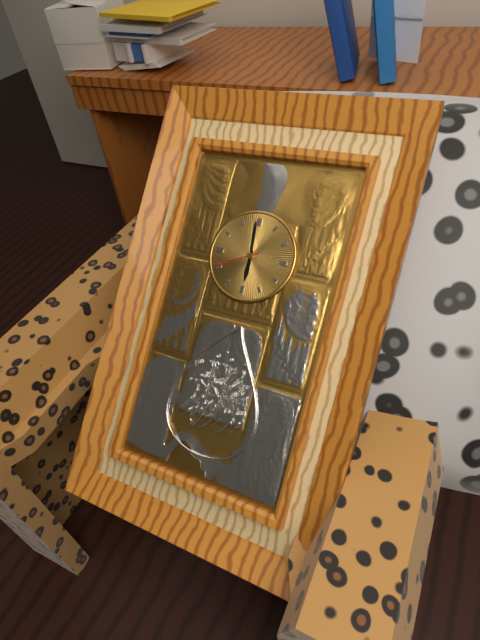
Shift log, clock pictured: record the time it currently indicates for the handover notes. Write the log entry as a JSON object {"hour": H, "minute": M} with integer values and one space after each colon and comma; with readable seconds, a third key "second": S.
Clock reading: {"hour": 5, "minute": 59, "second": 41}
